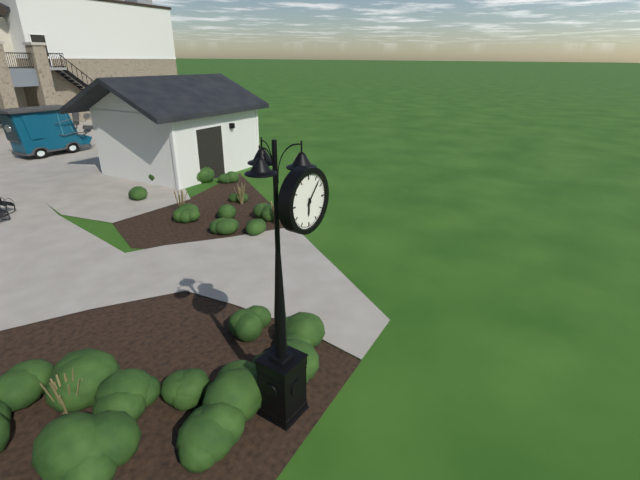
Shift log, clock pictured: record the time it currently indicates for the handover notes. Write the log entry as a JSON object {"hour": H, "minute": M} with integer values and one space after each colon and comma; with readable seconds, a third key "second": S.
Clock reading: {"hour": 6, "minute": 7}
